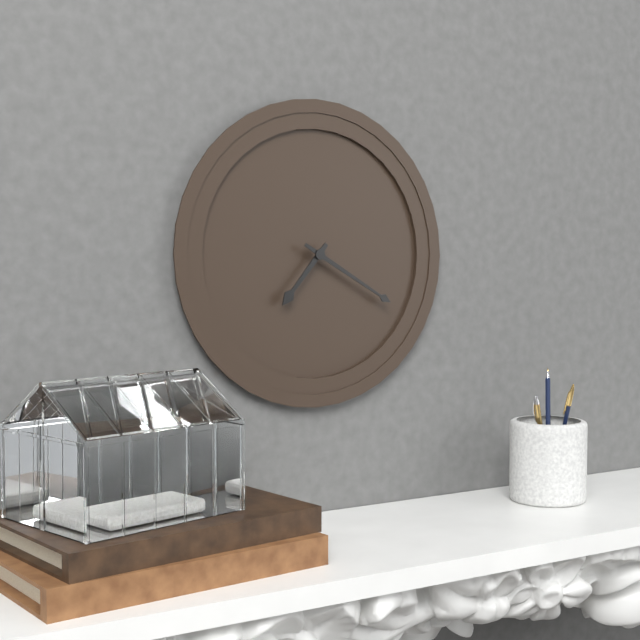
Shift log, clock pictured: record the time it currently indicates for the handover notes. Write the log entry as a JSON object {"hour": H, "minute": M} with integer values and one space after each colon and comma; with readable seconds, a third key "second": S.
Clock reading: {"hour": 7, "minute": 20}
